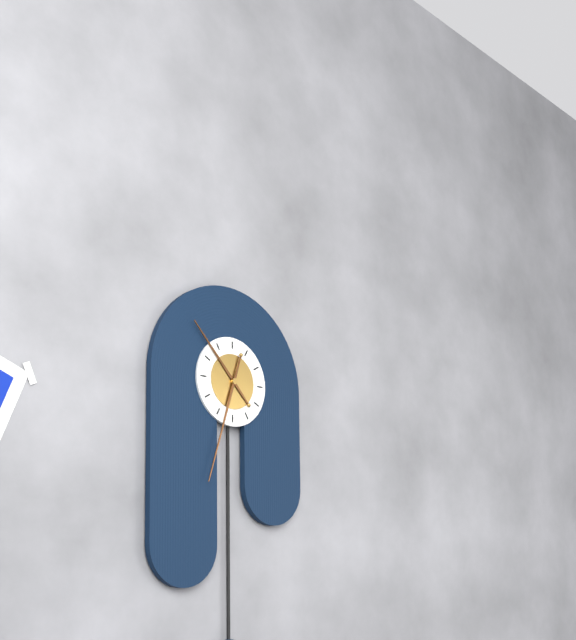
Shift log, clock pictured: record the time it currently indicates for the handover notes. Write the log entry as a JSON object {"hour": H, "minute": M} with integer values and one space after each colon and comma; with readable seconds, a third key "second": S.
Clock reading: {"hour": 10, "minute": 33}
